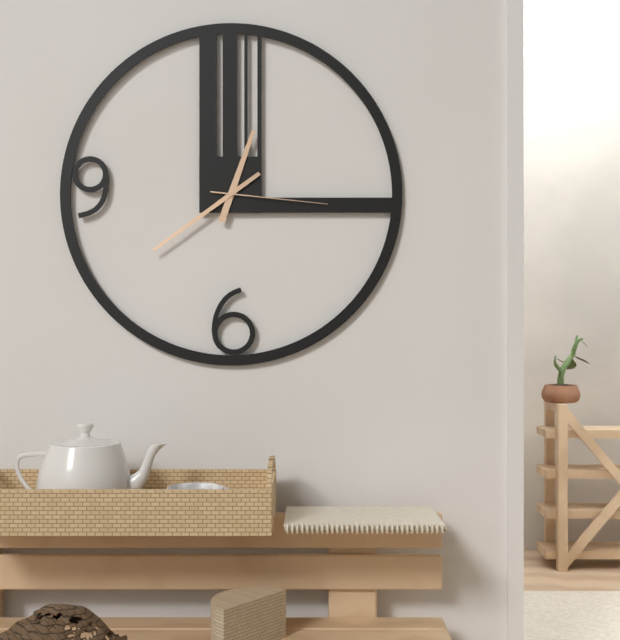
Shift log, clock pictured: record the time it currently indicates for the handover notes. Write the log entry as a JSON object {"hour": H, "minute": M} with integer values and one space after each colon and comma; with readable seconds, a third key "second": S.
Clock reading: {"hour": 12, "minute": 39, "second": 16}
